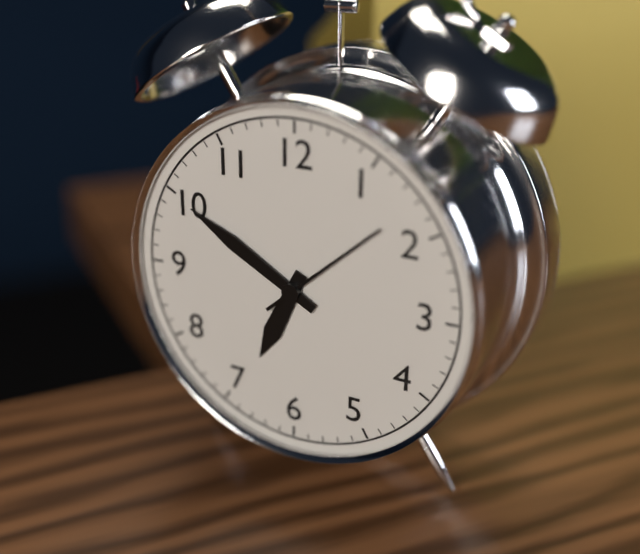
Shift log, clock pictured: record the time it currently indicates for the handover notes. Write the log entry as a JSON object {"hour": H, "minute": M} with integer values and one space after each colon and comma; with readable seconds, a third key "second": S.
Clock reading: {"hour": 6, "minute": 50, "second": 8}
